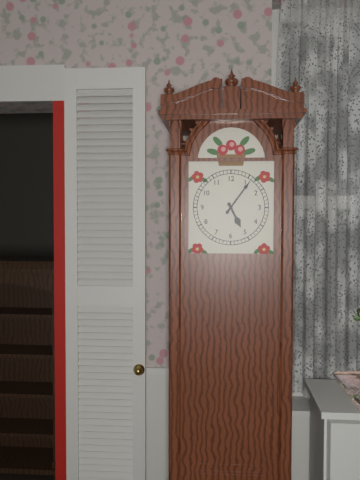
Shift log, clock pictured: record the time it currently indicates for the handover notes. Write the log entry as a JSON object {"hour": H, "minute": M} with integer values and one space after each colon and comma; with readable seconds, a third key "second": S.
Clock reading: {"hour": 5, "minute": 6}
